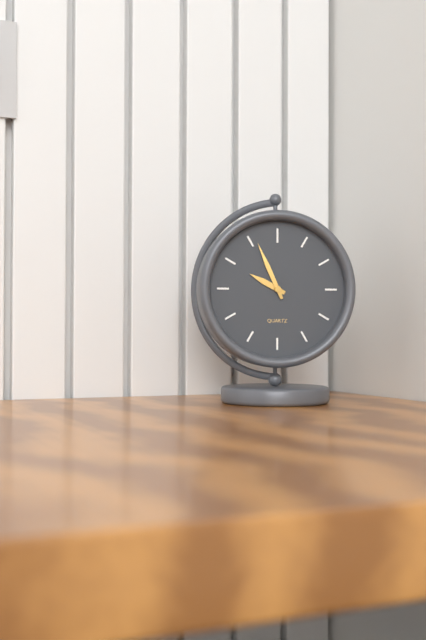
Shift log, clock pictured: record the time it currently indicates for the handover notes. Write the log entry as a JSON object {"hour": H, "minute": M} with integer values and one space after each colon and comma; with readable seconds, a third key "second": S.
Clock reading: {"hour": 9, "minute": 56}
